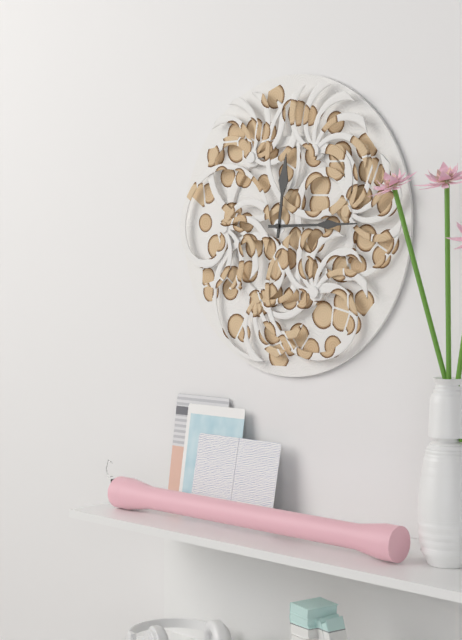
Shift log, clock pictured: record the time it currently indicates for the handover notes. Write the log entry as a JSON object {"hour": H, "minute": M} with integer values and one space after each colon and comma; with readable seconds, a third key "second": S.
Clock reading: {"hour": 12, "minute": 15}
